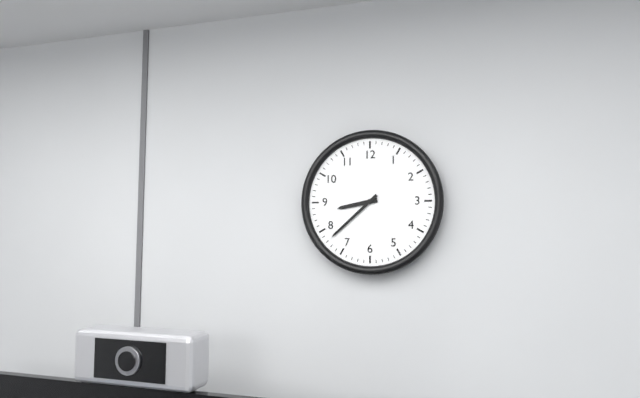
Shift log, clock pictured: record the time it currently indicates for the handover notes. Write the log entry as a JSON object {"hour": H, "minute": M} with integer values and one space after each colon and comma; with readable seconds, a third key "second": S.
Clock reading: {"hour": 8, "minute": 38}
